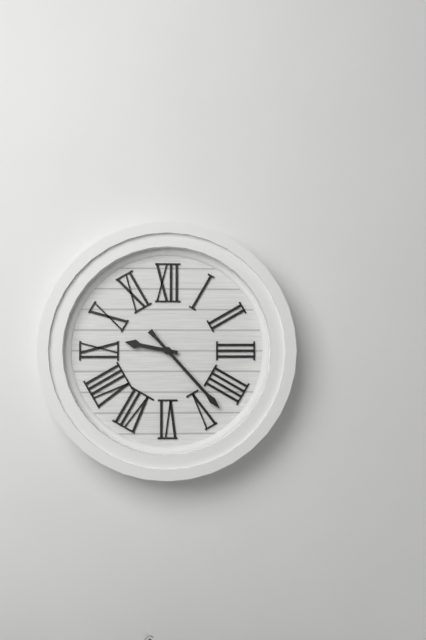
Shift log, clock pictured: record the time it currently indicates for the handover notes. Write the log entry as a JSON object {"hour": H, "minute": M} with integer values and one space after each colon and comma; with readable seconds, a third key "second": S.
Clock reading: {"hour": 9, "minute": 23}
